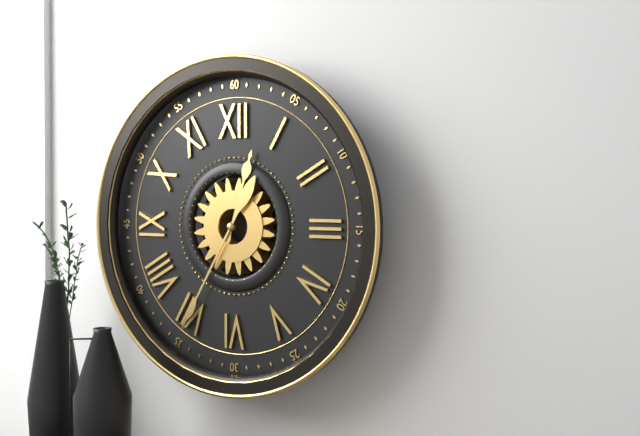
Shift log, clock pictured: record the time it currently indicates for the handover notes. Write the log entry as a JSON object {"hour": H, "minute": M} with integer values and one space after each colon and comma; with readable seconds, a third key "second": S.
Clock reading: {"hour": 12, "minute": 35}
